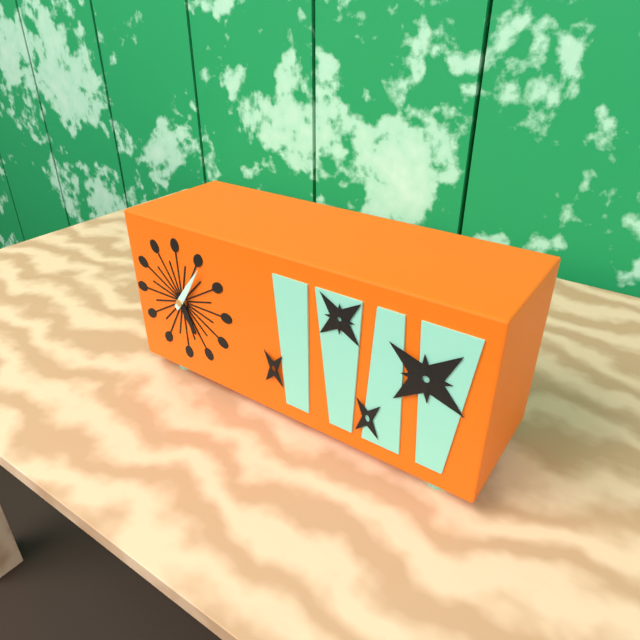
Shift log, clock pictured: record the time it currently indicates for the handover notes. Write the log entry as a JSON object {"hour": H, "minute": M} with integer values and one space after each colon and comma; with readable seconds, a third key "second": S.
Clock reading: {"hour": 5, "minute": 6}
